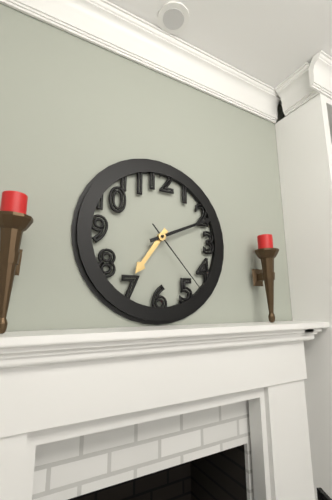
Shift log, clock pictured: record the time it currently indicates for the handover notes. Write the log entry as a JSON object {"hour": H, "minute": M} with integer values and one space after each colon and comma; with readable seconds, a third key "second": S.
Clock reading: {"hour": 7, "minute": 11, "second": 23}
